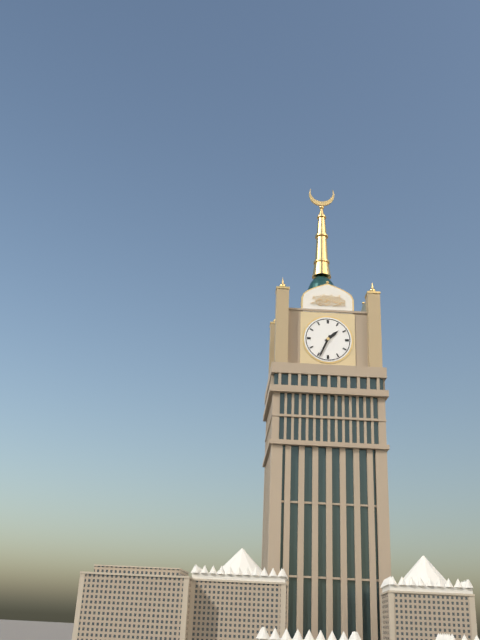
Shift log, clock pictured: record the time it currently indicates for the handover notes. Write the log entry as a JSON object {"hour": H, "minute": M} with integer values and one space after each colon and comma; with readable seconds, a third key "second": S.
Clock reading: {"hour": 1, "minute": 34}
